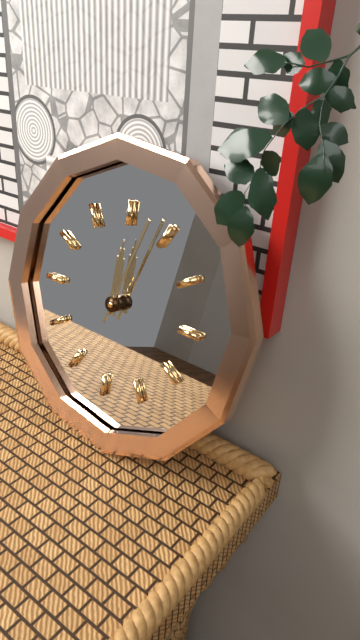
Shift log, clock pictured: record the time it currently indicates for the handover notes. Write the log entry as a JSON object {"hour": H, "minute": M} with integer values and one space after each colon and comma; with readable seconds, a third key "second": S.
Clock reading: {"hour": 12, "minute": 3}
